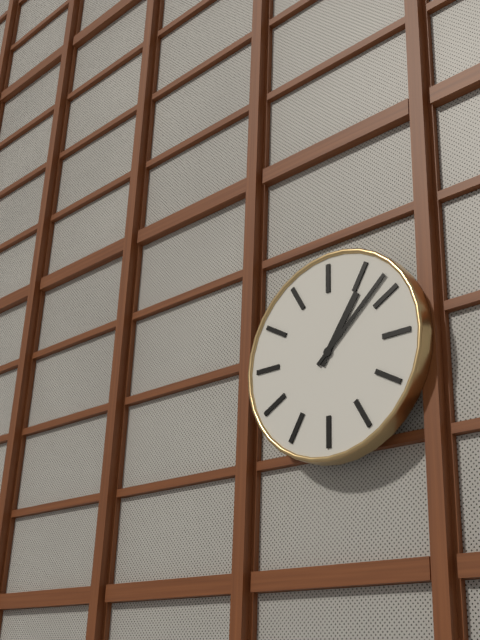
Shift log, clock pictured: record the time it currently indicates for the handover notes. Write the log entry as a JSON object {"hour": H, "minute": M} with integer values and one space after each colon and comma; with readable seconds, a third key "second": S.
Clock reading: {"hour": 1, "minute": 8}
